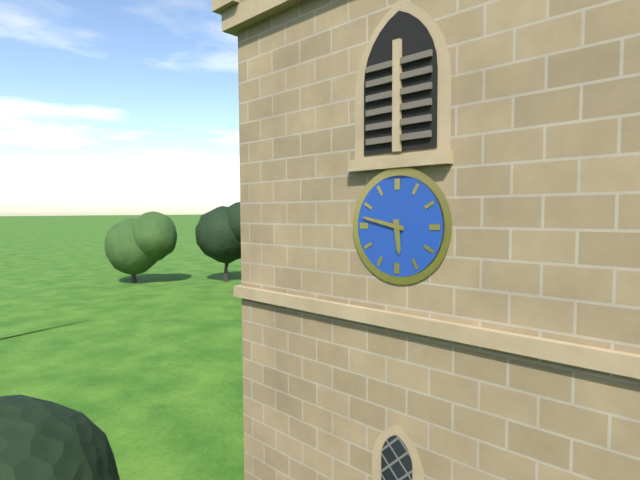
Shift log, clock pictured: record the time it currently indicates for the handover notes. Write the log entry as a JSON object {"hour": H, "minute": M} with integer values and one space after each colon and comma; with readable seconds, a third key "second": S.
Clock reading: {"hour": 5, "minute": 47}
